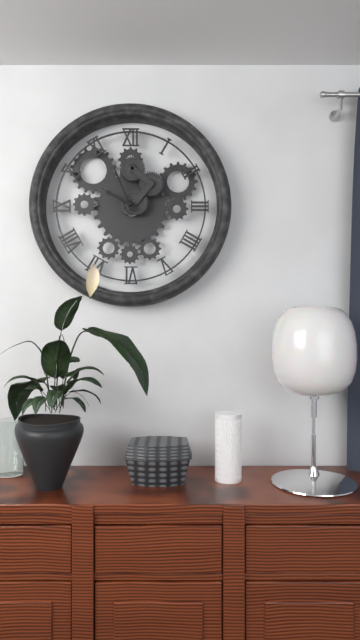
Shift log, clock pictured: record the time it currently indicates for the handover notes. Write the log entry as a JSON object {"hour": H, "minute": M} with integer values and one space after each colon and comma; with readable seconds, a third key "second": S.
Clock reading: {"hour": 9, "minute": 56}
